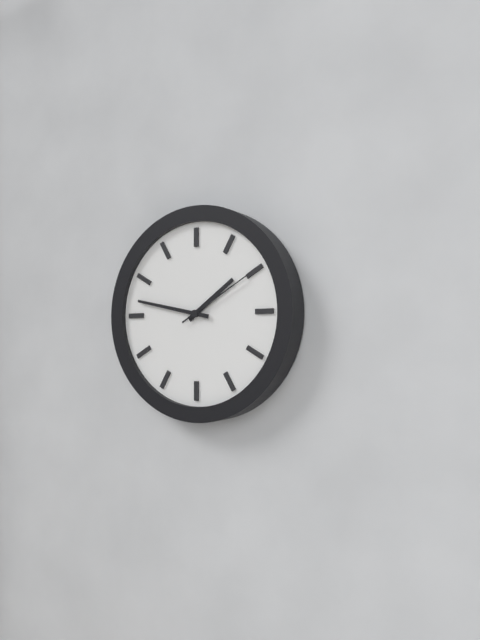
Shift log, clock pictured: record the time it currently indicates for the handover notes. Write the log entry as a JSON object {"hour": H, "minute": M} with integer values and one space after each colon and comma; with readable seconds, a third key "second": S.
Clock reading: {"hour": 1, "minute": 47, "second": 10}
